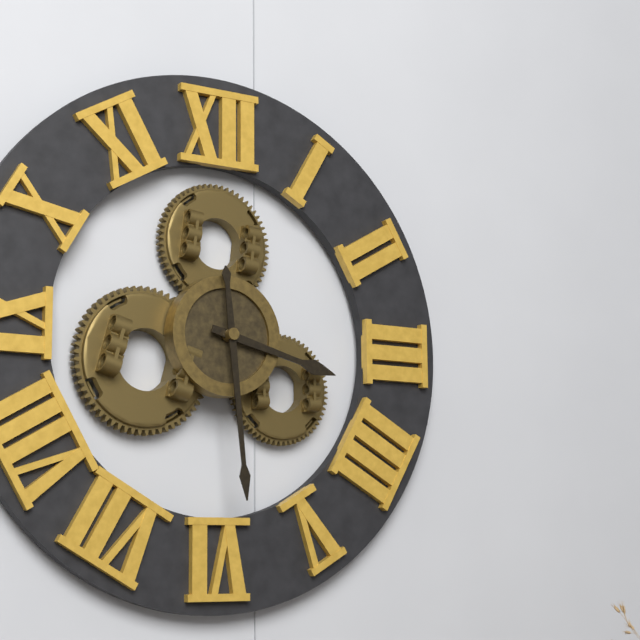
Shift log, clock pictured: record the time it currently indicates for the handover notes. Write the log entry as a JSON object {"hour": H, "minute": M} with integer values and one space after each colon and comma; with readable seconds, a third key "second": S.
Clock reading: {"hour": 3, "minute": 29}
